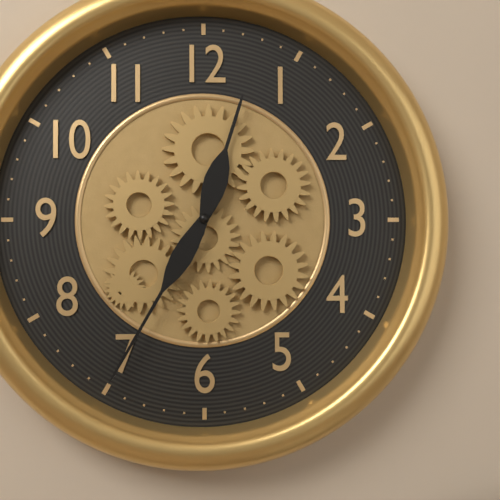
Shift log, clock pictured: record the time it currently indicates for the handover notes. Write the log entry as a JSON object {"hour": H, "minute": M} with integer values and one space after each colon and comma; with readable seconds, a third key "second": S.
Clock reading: {"hour": 12, "minute": 35}
